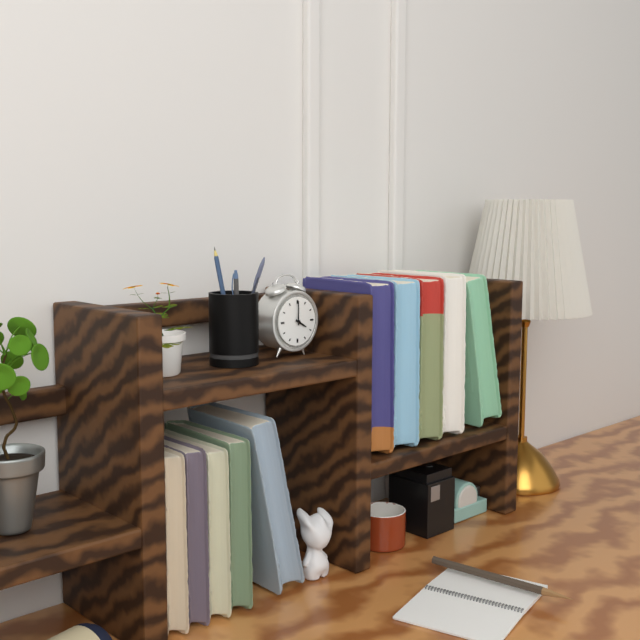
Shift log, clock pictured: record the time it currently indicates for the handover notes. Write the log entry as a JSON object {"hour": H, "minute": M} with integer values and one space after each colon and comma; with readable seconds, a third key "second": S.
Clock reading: {"hour": 4, "minute": 0}
